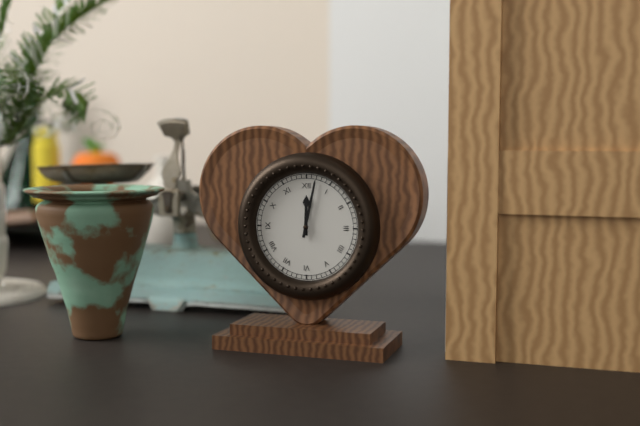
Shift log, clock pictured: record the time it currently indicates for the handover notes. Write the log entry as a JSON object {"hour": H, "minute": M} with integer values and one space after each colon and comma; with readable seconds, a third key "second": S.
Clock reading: {"hour": 12, "minute": 2}
